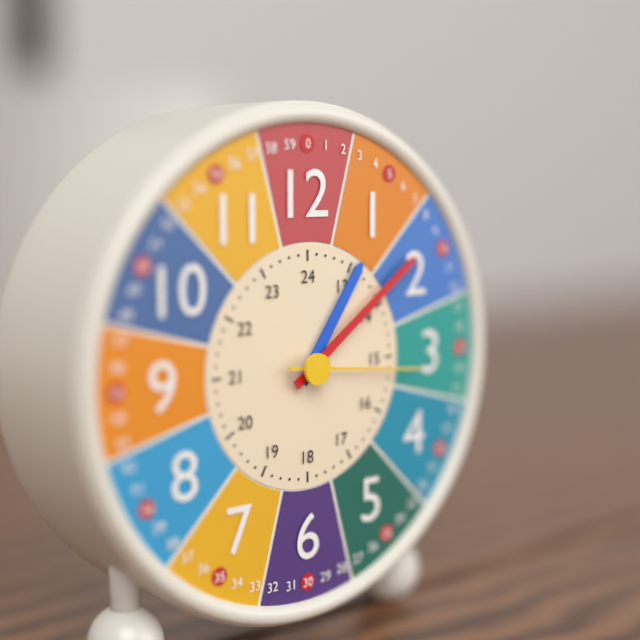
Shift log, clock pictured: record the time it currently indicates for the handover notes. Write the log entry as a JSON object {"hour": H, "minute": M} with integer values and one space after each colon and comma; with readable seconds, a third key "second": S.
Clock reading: {"hour": 1, "minute": 9, "second": 16}
